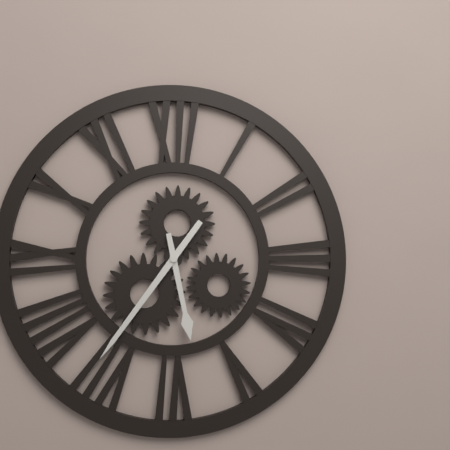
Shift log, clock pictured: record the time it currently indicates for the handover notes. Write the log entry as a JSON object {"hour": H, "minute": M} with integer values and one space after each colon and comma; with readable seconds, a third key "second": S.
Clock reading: {"hour": 5, "minute": 36}
